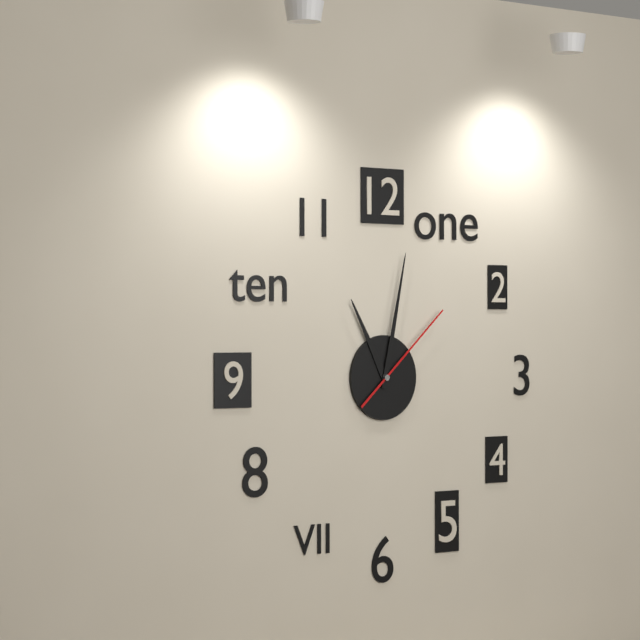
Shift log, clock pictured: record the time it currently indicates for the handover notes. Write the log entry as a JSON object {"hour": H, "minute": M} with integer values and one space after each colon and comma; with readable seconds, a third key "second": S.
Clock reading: {"hour": 11, "minute": 2, "second": 8}
